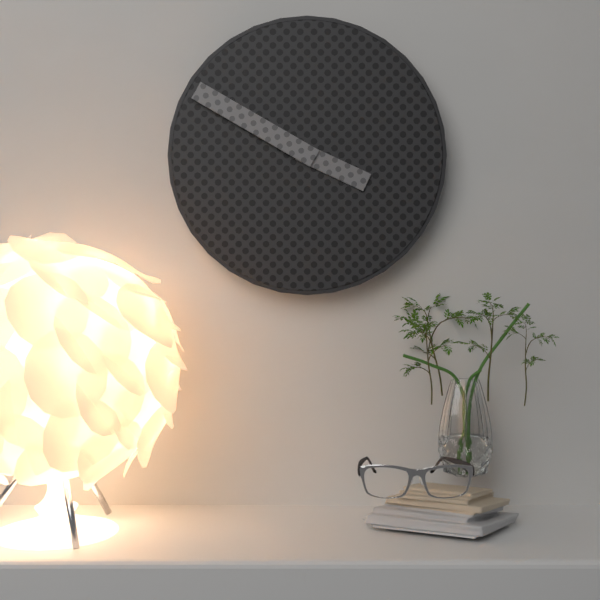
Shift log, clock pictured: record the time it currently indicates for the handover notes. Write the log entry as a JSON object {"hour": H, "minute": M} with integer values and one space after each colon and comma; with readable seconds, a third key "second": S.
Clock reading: {"hour": 3, "minute": 50}
